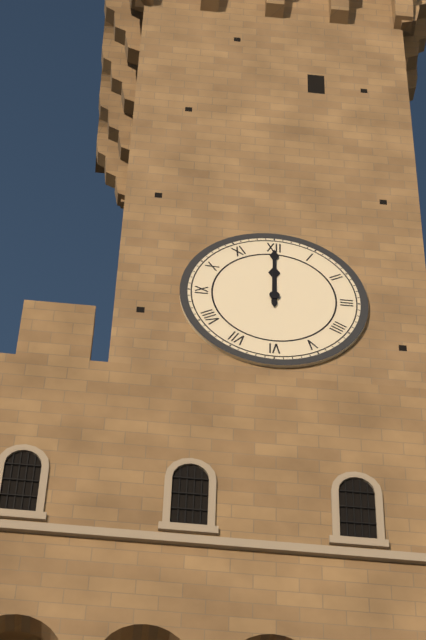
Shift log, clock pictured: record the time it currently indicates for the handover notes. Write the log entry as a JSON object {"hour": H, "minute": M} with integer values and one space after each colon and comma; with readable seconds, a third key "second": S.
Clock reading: {"hour": 12, "minute": 0}
